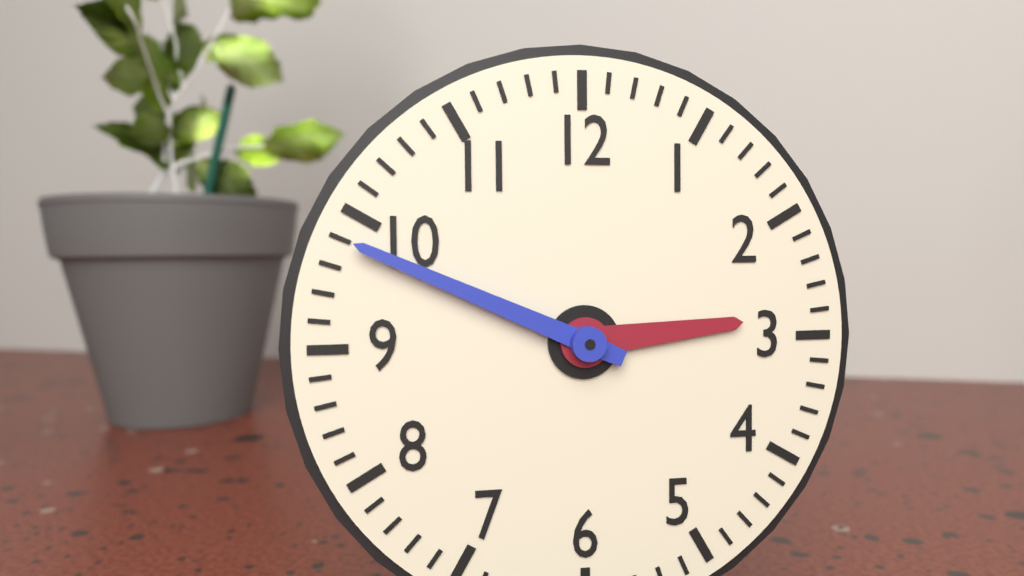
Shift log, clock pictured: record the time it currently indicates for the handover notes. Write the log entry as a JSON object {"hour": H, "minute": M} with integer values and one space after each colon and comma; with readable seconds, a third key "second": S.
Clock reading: {"hour": 2, "minute": 49}
